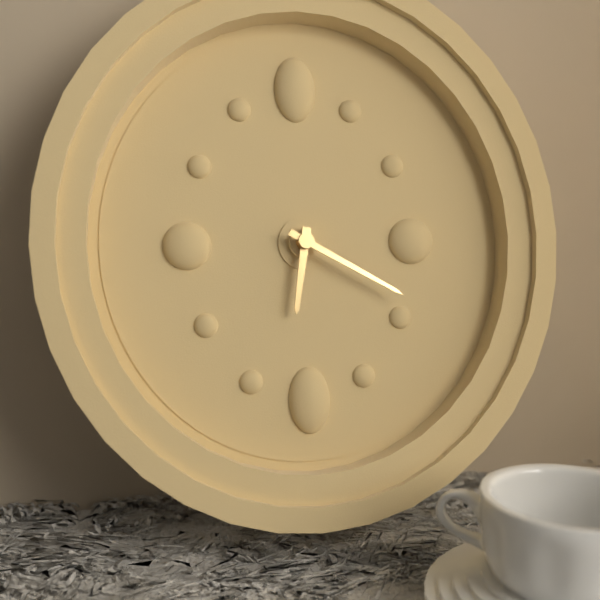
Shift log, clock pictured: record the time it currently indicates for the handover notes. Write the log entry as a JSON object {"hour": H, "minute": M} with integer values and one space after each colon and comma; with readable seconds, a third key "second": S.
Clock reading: {"hour": 6, "minute": 20}
